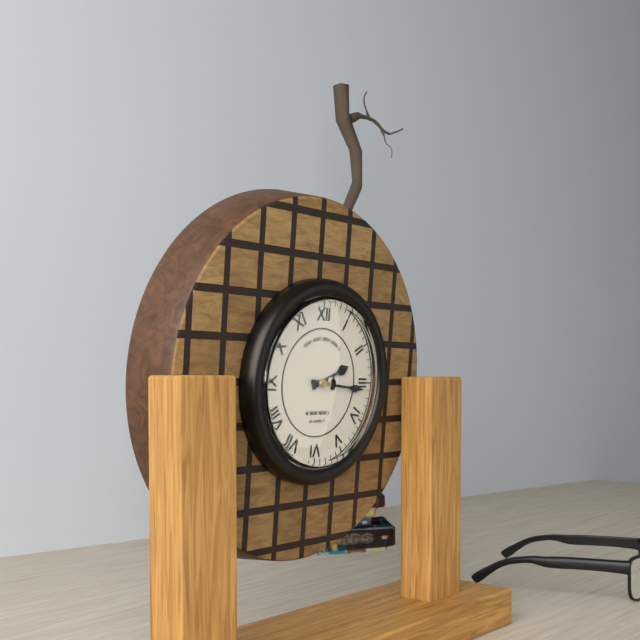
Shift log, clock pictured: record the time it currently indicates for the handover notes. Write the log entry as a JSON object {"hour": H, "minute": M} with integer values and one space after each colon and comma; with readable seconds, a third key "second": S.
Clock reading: {"hour": 2, "minute": 16}
